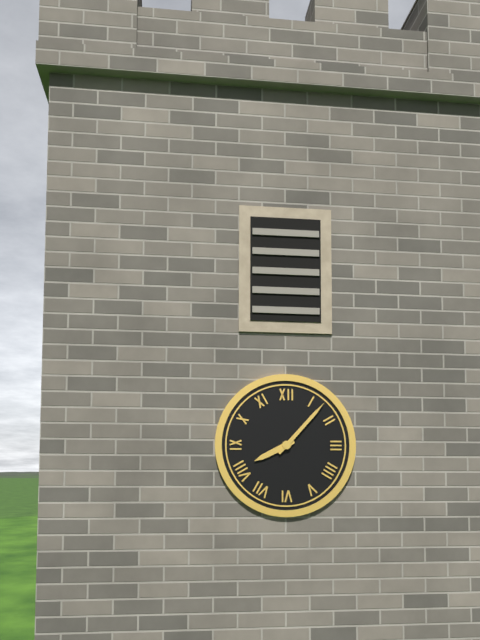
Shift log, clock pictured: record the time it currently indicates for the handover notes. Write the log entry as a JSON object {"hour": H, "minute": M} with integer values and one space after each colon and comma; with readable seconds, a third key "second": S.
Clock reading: {"hour": 8, "minute": 7}
